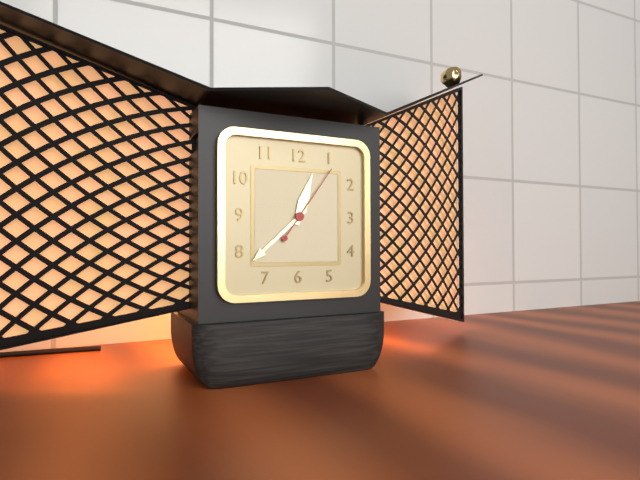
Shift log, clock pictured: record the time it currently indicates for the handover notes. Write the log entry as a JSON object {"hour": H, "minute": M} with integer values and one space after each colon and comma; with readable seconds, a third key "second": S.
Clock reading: {"hour": 12, "minute": 38, "second": 6}
